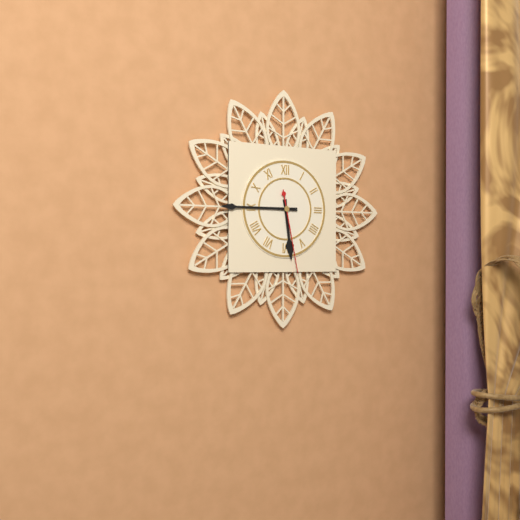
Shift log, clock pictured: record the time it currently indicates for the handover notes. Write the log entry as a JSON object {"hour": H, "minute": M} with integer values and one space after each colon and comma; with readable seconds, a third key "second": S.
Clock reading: {"hour": 5, "minute": 45, "second": 28}
